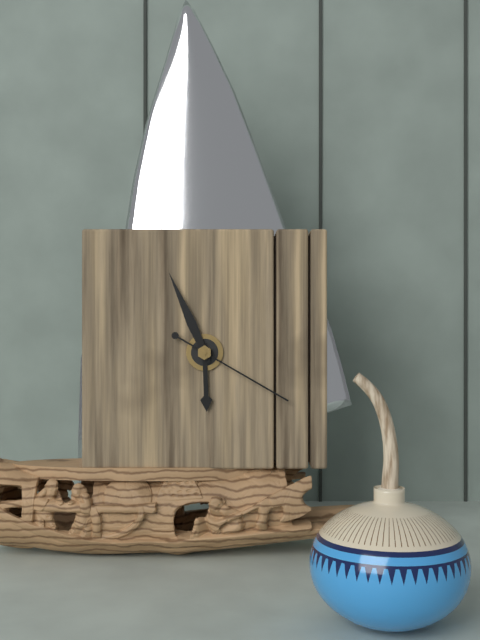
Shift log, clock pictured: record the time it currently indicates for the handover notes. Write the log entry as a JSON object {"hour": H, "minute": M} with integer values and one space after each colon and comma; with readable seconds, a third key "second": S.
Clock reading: {"hour": 5, "minute": 56, "second": 20}
